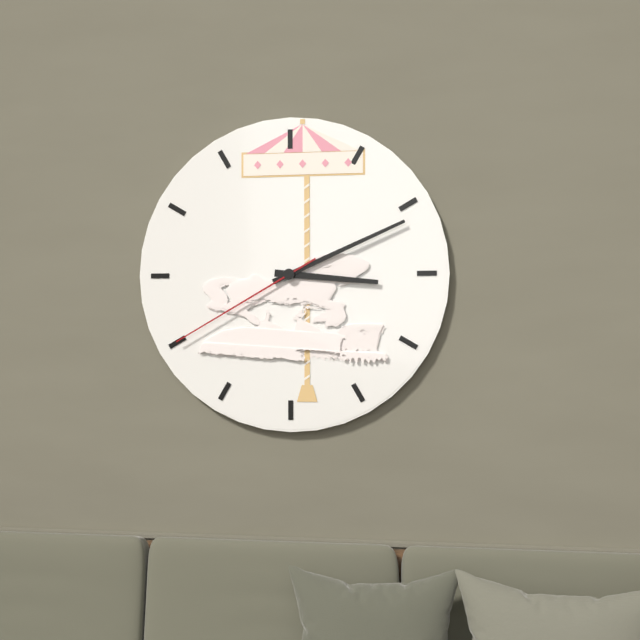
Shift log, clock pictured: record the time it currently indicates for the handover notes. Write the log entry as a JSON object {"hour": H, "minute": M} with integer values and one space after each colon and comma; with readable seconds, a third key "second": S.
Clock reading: {"hour": 3, "minute": 11, "second": 40}
